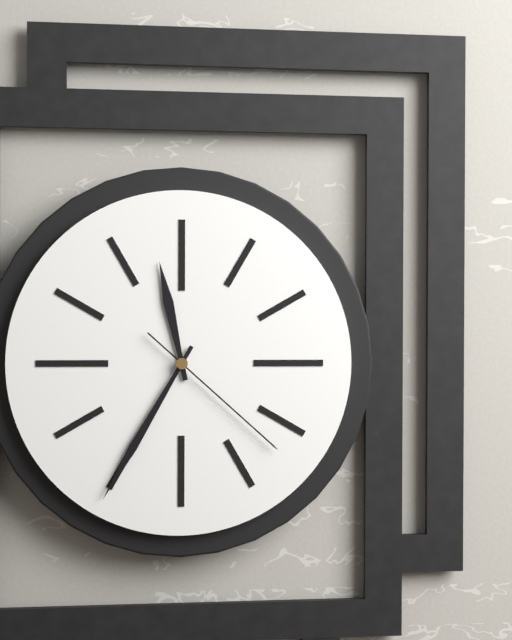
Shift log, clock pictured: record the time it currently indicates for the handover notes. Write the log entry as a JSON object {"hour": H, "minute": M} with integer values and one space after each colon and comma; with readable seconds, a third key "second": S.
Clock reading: {"hour": 11, "minute": 35, "second": 22}
